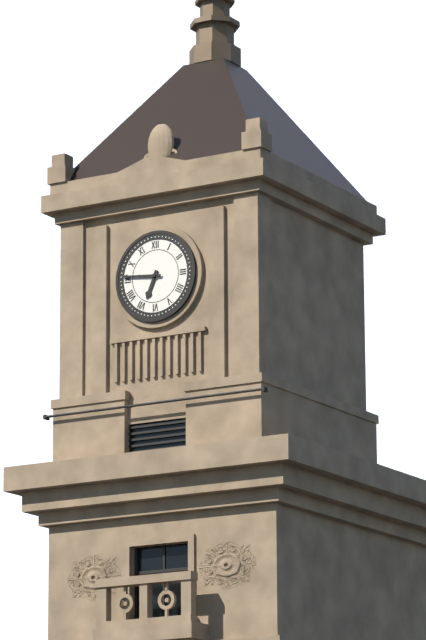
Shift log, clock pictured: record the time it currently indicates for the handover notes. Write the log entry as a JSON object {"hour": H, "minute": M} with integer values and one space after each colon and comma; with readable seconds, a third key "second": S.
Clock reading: {"hour": 6, "minute": 46}
